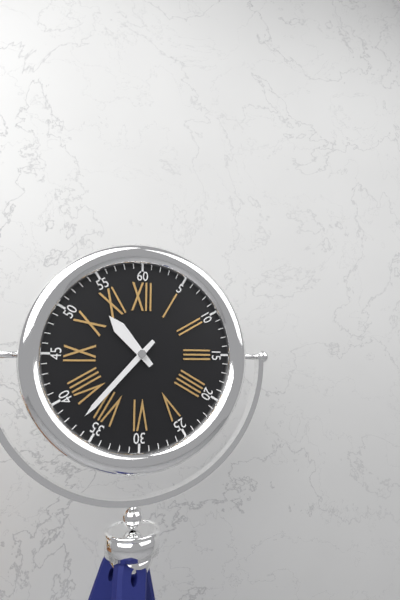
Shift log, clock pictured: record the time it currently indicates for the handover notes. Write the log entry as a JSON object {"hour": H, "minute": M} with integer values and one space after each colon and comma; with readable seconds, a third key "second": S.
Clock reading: {"hour": 10, "minute": 37}
